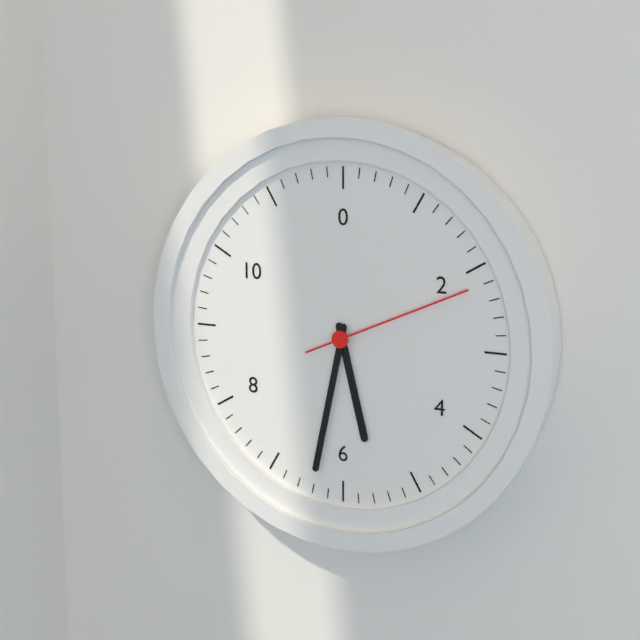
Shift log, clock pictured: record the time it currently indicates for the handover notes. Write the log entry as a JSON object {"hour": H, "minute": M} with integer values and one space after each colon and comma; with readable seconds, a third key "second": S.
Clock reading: {"hour": 5, "minute": 32, "second": 11}
